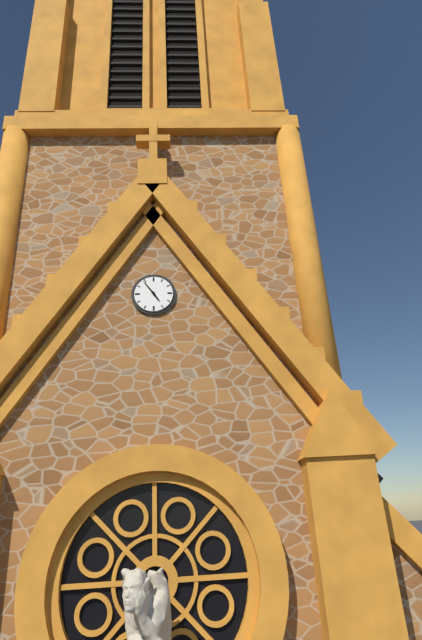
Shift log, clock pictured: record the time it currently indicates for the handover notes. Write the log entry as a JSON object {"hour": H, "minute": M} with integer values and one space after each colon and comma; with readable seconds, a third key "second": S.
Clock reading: {"hour": 4, "minute": 54}
